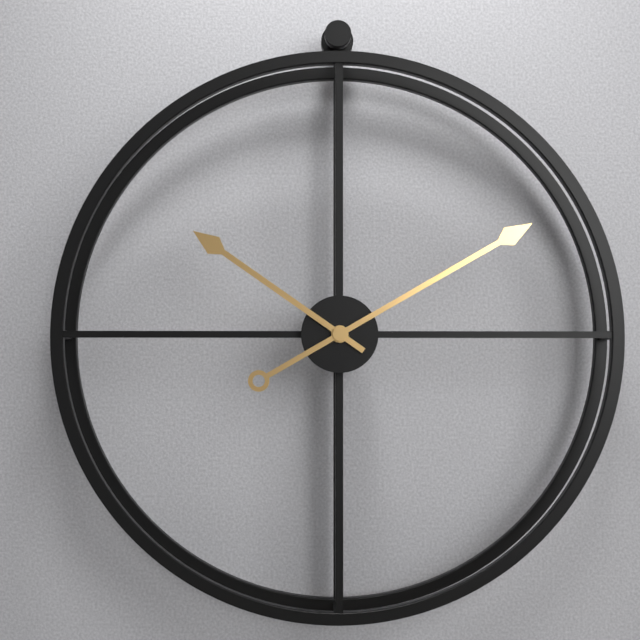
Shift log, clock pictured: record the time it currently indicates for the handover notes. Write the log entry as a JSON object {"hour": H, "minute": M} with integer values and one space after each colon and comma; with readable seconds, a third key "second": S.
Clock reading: {"hour": 10, "minute": 10}
